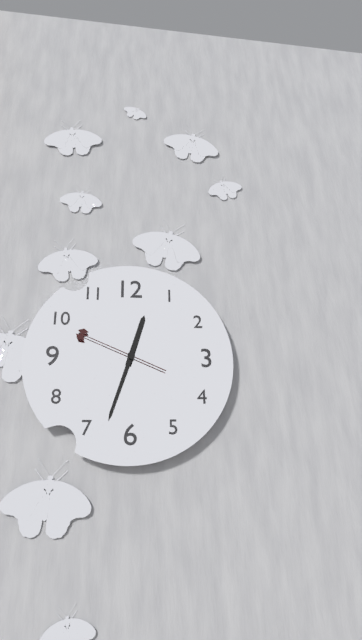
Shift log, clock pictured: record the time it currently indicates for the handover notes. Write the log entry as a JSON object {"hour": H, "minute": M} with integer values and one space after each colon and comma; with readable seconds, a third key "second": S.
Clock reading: {"hour": 12, "minute": 33, "second": 49}
